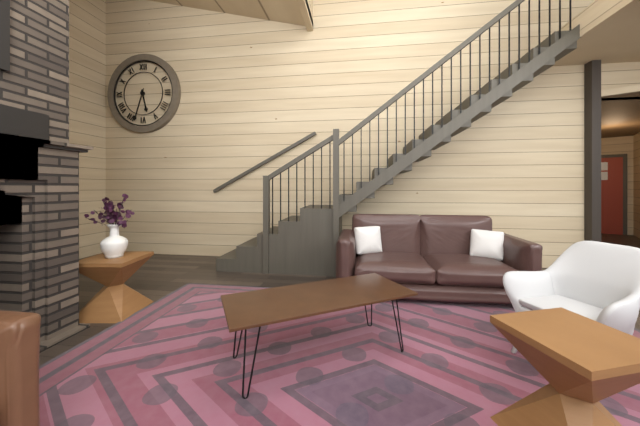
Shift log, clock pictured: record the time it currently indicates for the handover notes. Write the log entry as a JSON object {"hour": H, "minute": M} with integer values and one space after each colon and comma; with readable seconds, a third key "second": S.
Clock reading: {"hour": 5, "minute": 33}
